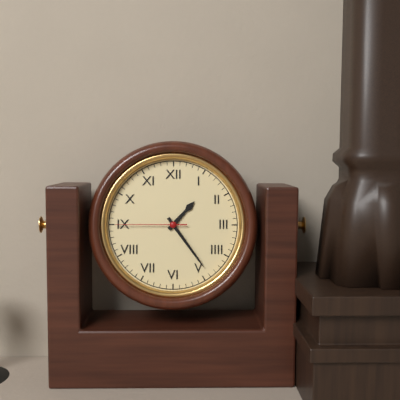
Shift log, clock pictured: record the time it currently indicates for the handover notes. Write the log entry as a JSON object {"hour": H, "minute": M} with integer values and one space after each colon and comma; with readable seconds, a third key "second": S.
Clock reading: {"hour": 1, "minute": 24, "second": 45}
